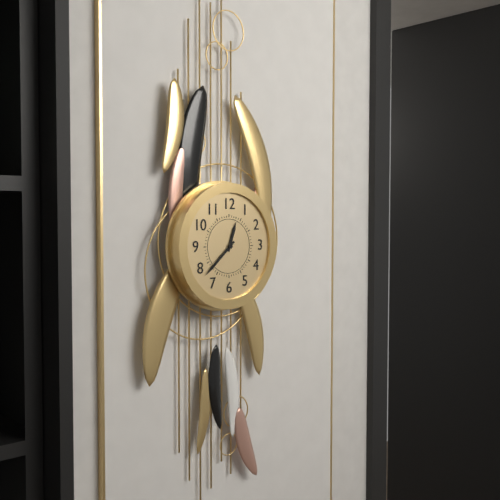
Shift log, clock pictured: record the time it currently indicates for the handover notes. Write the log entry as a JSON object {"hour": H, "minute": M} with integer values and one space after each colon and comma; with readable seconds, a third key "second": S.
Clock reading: {"hour": 12, "minute": 38}
